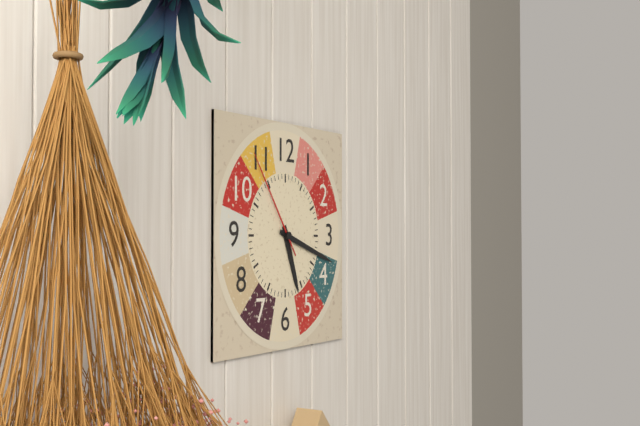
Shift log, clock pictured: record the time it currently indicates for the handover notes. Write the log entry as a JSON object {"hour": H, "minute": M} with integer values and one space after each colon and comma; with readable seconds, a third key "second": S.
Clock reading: {"hour": 5, "minute": 18, "second": 54}
